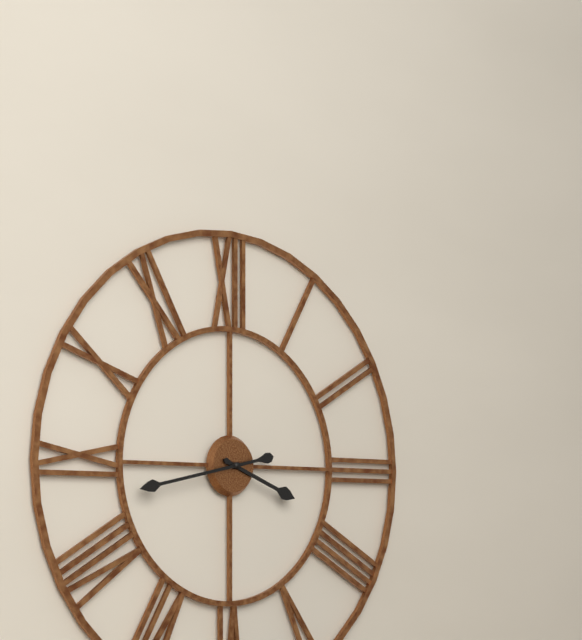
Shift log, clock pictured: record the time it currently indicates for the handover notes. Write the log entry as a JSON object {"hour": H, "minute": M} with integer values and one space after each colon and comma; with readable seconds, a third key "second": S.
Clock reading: {"hour": 3, "minute": 43}
